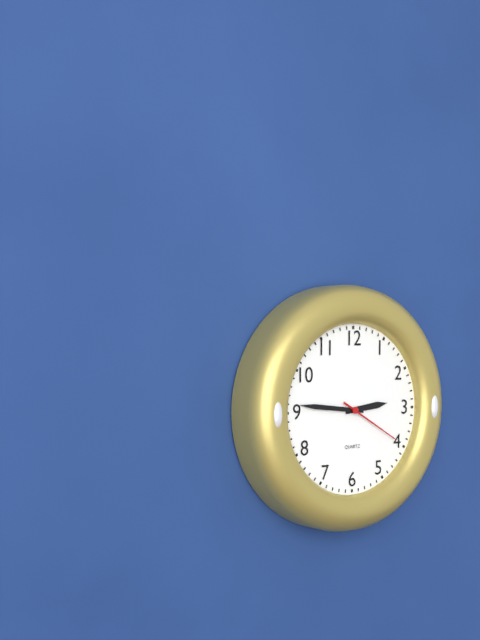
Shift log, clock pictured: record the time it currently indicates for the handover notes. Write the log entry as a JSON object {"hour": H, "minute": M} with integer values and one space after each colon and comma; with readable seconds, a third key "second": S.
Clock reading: {"hour": 2, "minute": 46, "second": 20}
